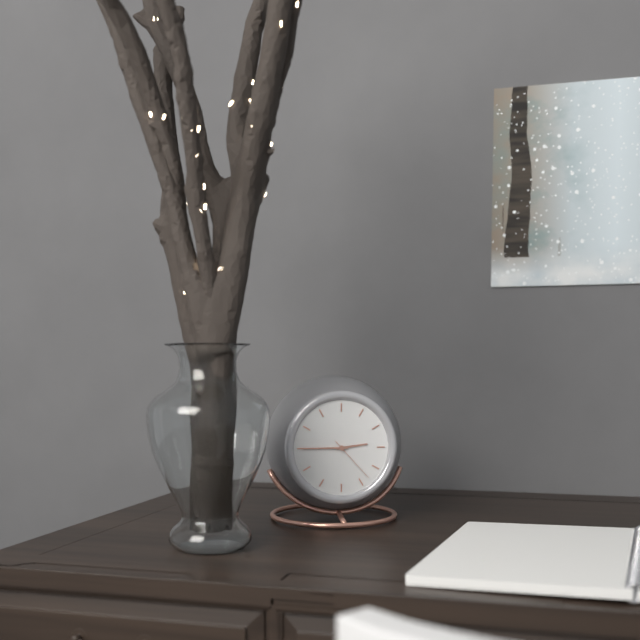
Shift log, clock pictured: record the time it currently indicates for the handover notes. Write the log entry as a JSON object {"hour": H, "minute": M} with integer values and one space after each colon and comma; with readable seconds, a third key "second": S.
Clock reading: {"hour": 2, "minute": 45}
